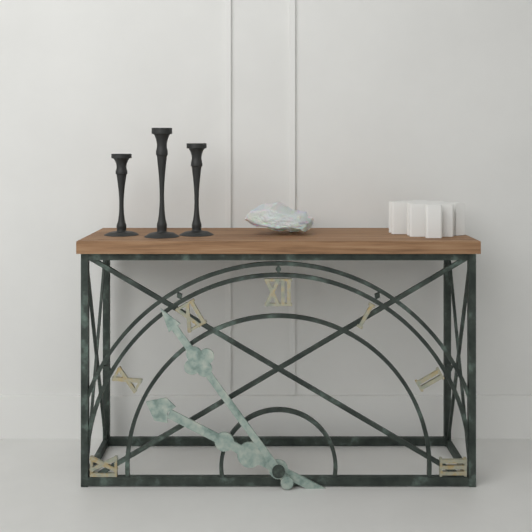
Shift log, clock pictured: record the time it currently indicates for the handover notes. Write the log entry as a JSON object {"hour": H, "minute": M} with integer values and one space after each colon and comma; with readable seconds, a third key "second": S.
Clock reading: {"hour": 9, "minute": 54}
